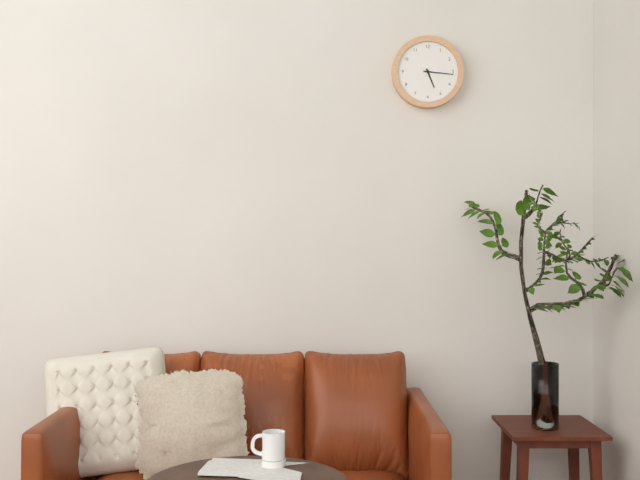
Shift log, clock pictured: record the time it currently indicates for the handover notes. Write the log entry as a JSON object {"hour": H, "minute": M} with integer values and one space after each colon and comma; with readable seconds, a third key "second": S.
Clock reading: {"hour": 5, "minute": 16}
